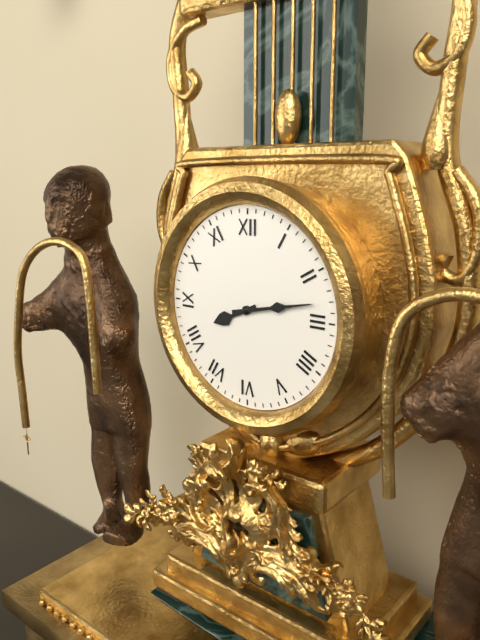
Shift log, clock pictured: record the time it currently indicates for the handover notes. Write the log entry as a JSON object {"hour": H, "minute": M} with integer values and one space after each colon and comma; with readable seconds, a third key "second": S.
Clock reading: {"hour": 8, "minute": 13}
